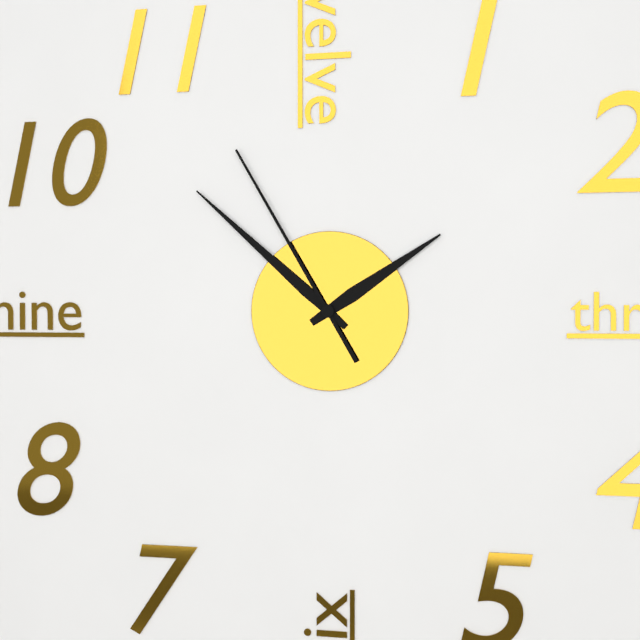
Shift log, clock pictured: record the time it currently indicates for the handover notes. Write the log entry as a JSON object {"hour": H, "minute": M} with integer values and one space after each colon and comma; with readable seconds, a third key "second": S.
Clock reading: {"hour": 1, "minute": 52, "second": 55}
